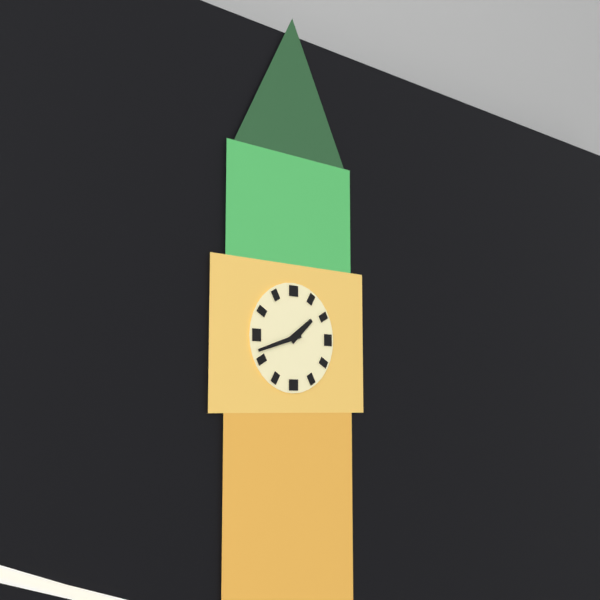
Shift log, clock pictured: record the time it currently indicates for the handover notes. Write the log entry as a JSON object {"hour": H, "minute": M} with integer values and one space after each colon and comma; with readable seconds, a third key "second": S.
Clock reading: {"hour": 1, "minute": 42}
